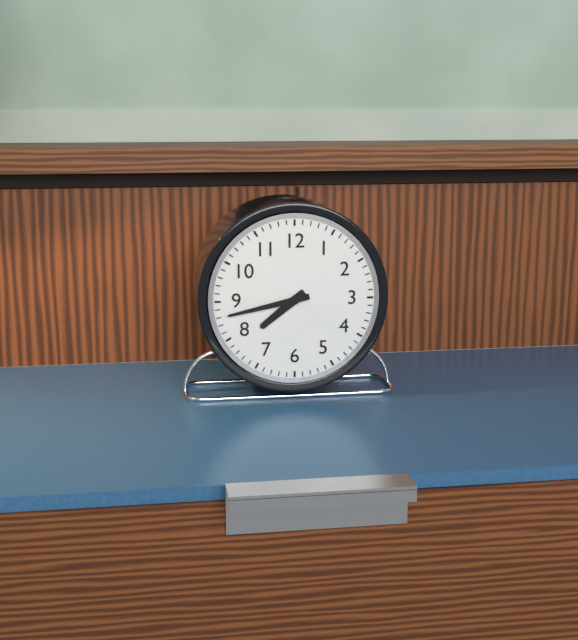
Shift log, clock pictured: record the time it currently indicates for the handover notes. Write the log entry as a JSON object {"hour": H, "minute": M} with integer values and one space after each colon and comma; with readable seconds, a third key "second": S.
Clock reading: {"hour": 7, "minute": 43}
